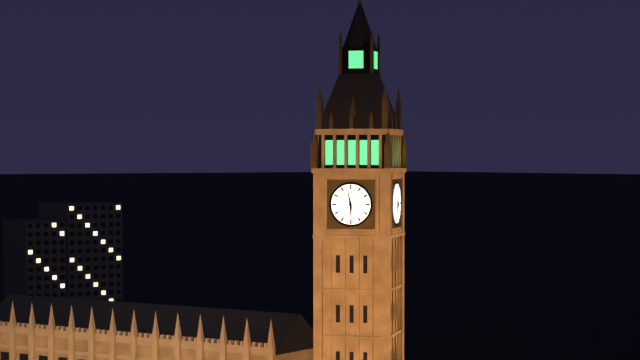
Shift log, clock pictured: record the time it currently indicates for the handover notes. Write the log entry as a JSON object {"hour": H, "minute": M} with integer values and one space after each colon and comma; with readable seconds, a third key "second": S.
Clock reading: {"hour": 5, "minute": 58}
